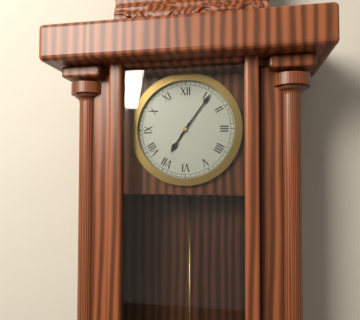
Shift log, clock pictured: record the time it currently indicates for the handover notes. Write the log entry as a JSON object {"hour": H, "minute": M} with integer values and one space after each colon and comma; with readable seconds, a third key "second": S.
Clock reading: {"hour": 7, "minute": 6}
